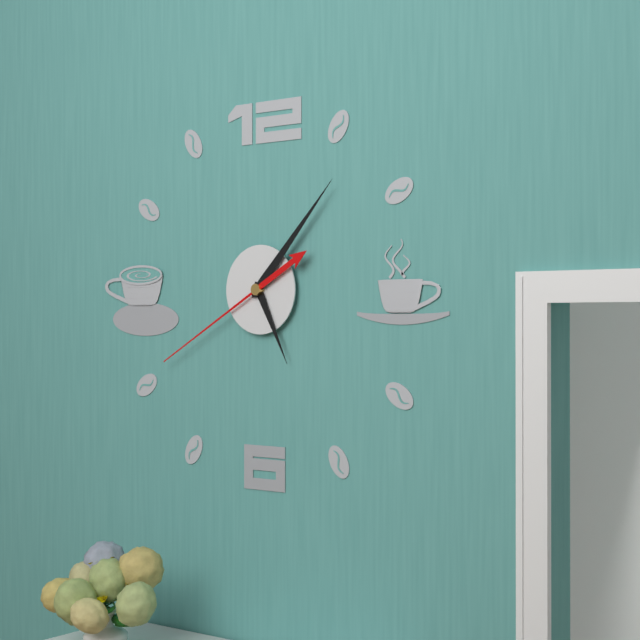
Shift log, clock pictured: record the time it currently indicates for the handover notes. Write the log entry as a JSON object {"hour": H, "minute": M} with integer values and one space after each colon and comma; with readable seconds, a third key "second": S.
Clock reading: {"hour": 5, "minute": 7, "second": 40}
